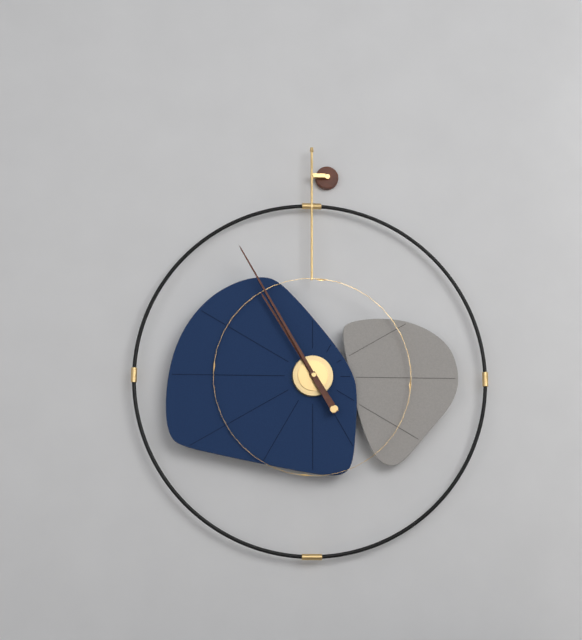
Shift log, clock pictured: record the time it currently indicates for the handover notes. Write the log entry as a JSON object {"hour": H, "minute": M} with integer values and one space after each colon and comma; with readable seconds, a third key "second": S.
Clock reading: {"hour": 10, "minute": 55}
